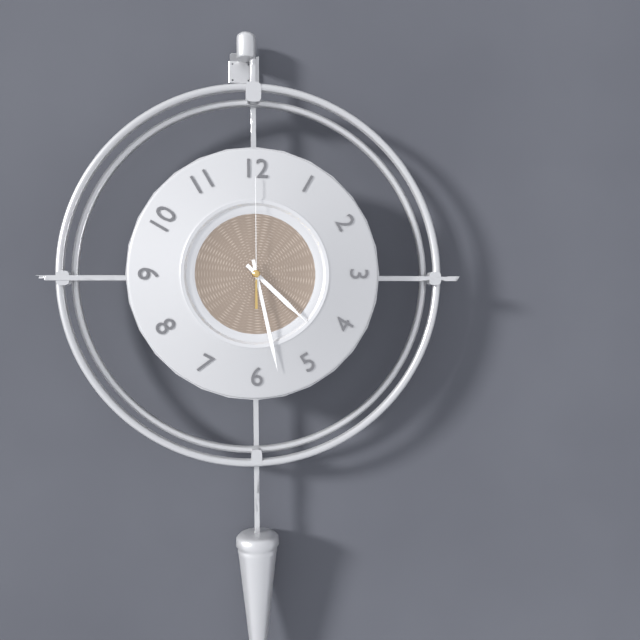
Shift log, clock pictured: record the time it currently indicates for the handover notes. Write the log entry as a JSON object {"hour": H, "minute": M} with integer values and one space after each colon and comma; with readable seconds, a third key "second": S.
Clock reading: {"hour": 4, "minute": 28, "second": 0}
